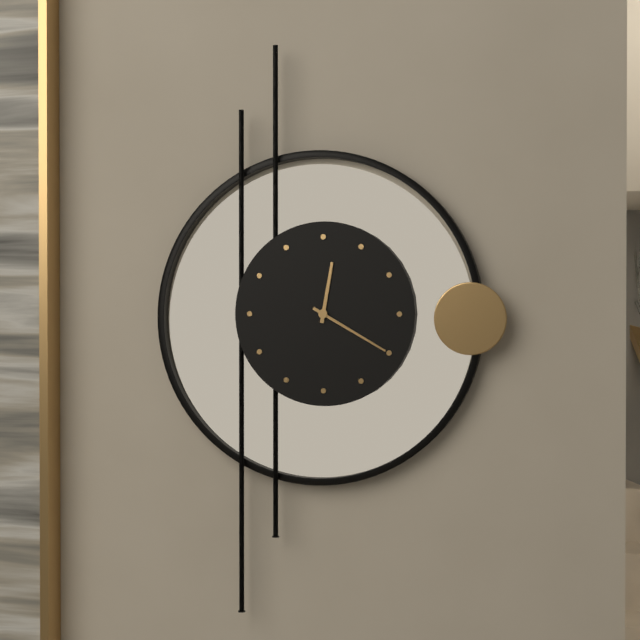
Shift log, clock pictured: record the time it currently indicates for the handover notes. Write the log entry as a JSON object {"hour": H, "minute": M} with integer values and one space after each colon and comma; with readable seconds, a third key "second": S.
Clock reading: {"hour": 12, "minute": 20}
